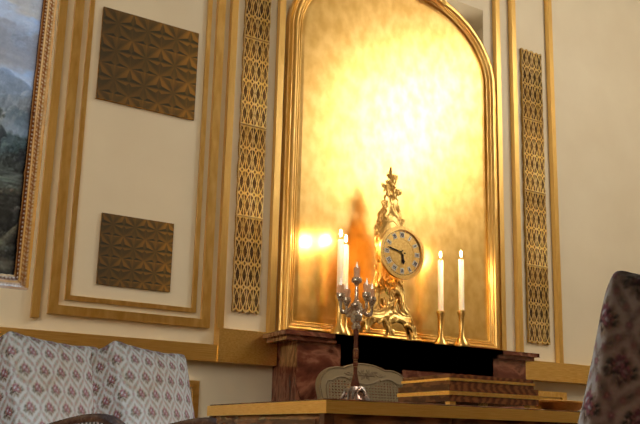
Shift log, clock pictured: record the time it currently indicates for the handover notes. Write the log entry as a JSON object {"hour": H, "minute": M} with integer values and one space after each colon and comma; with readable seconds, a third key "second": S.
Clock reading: {"hour": 5, "minute": 47}
